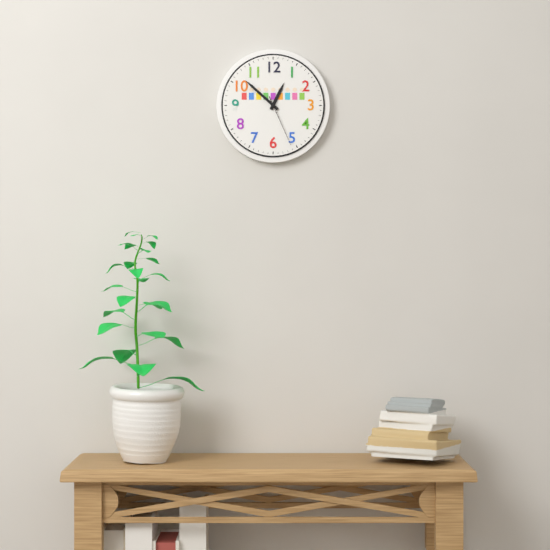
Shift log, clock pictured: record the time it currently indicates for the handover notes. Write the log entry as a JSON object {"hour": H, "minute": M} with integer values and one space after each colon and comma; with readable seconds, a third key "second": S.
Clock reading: {"hour": 12, "minute": 52, "second": 26}
